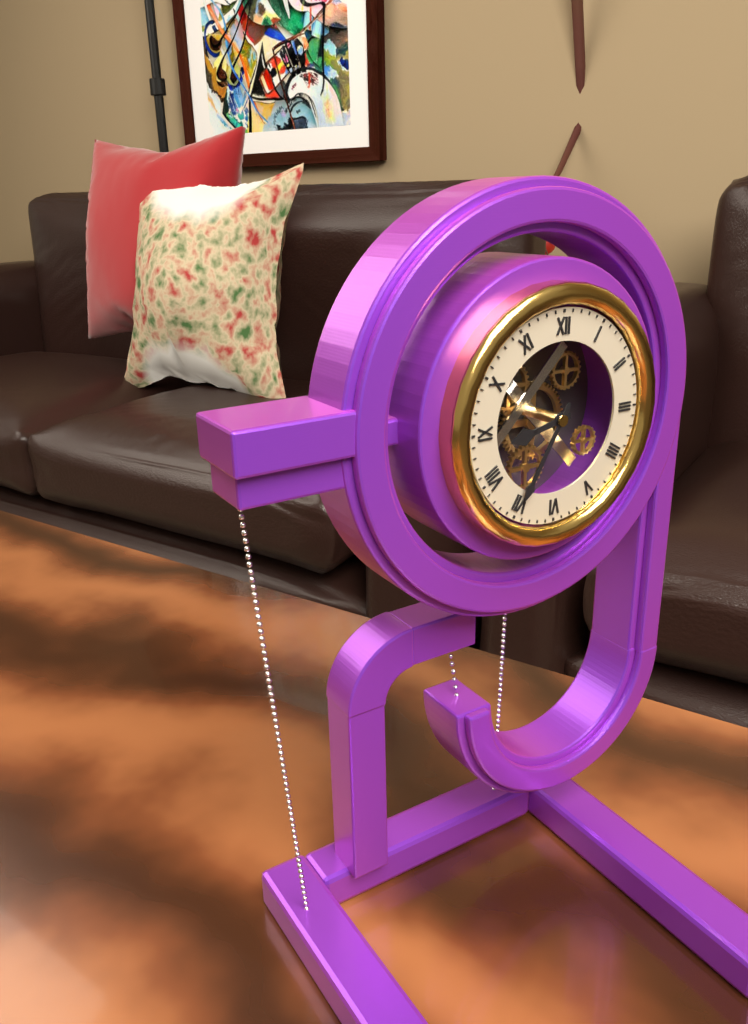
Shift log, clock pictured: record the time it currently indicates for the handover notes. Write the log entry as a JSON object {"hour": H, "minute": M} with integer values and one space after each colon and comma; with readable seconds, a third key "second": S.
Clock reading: {"hour": 8, "minute": 35}
